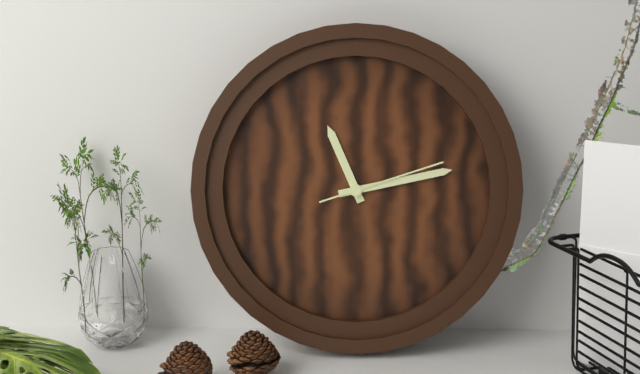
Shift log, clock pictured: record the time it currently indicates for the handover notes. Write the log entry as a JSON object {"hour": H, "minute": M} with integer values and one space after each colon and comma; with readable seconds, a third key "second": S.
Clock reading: {"hour": 11, "minute": 13, "second": 12}
